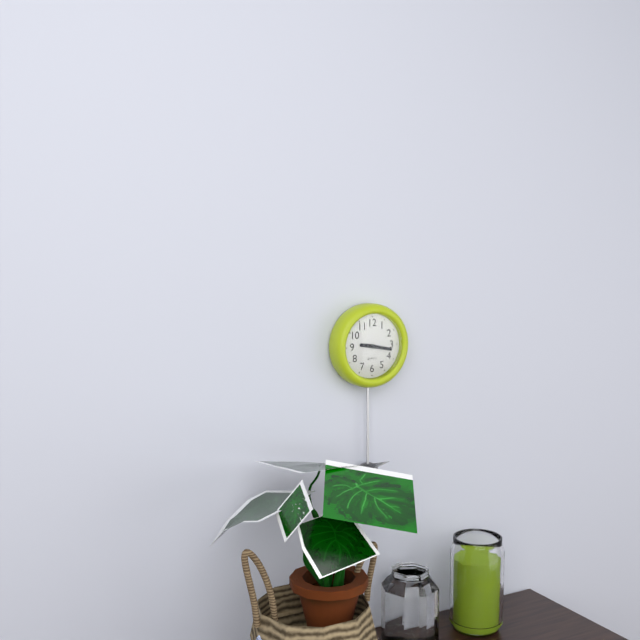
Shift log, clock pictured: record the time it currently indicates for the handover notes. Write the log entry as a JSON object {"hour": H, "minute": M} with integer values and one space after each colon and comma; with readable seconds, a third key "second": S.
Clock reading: {"hour": 9, "minute": 17}
